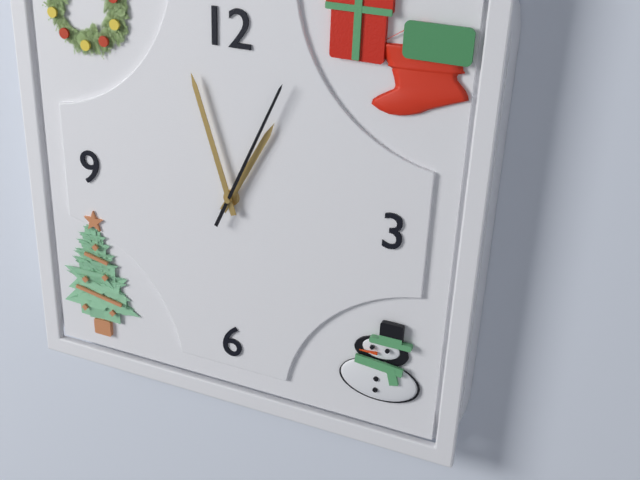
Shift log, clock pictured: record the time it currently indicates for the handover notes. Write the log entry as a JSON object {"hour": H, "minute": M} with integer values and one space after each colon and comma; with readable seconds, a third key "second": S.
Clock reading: {"hour": 12, "minute": 57, "second": 4}
